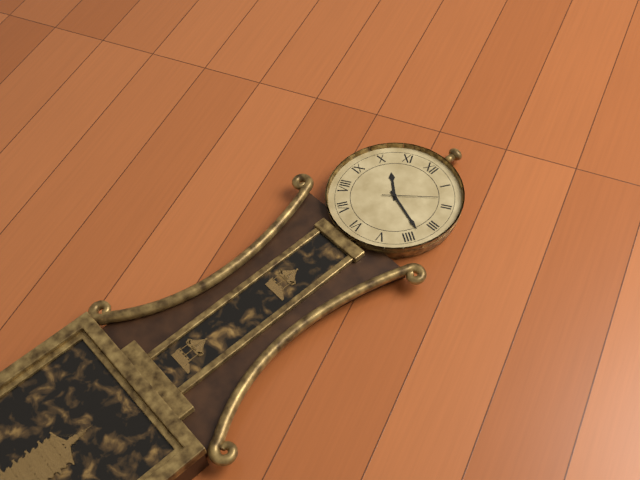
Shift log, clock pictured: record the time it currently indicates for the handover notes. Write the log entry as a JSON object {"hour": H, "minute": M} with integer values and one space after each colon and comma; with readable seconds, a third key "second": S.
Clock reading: {"hour": 10, "minute": 18, "second": 8}
